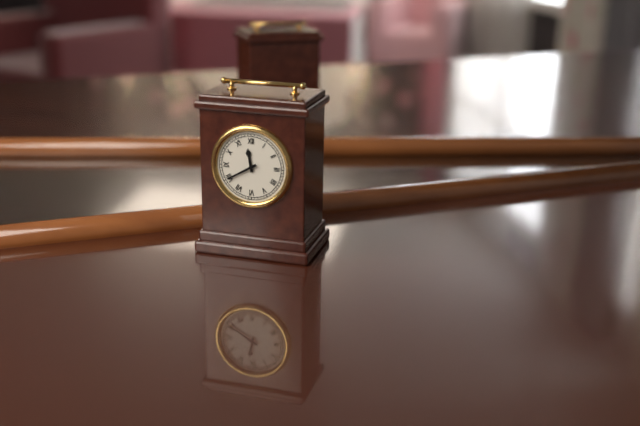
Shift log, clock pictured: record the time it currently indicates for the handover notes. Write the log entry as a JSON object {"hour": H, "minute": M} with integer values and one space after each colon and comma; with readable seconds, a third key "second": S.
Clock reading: {"hour": 11, "minute": 40}
